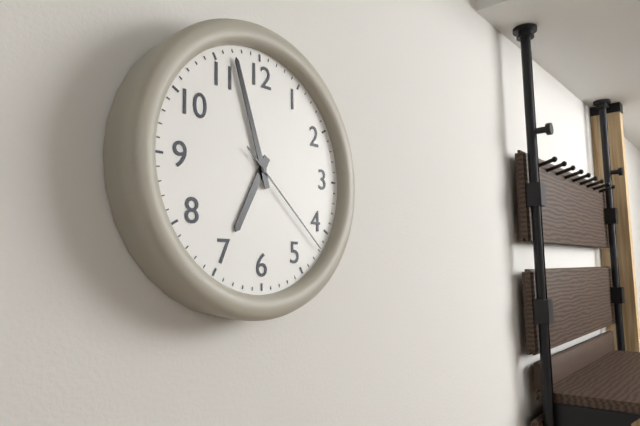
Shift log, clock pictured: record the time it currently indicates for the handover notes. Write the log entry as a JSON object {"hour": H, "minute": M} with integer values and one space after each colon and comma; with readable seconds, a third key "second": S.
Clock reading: {"hour": 6, "minute": 57, "second": 22}
